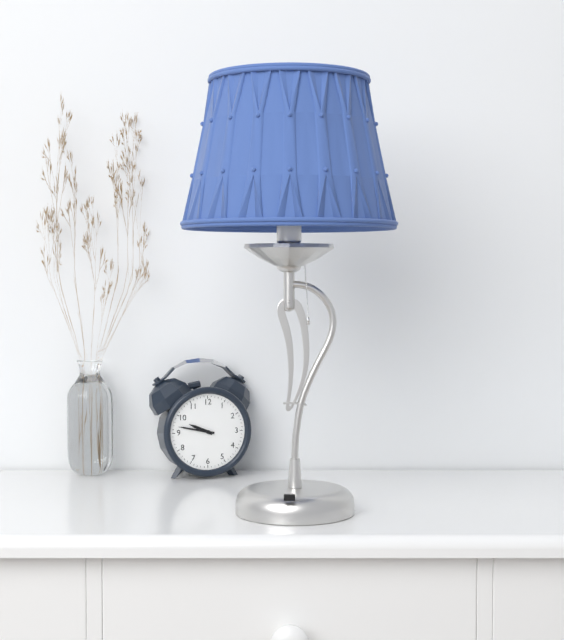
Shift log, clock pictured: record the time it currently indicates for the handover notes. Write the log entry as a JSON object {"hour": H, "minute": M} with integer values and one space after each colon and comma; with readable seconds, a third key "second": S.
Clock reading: {"hour": 9, "minute": 47}
